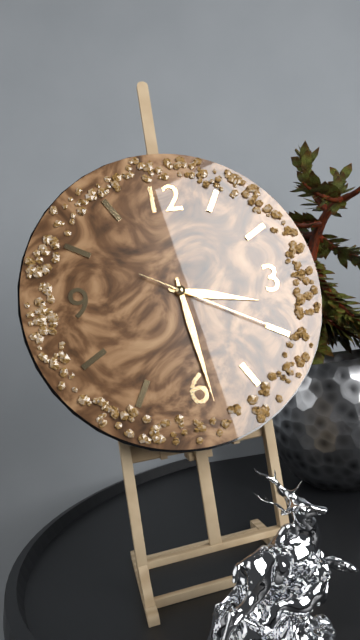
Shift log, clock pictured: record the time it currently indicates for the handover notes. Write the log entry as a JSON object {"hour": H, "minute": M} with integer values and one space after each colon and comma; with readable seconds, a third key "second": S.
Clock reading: {"hour": 3, "minute": 29, "second": 20}
